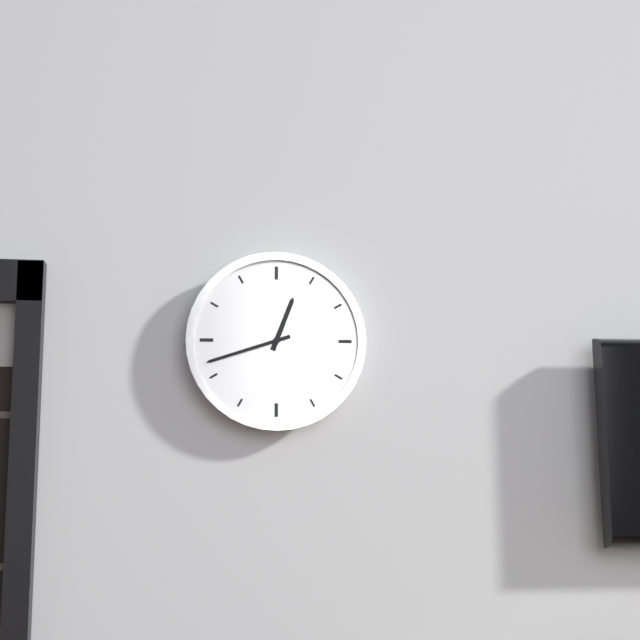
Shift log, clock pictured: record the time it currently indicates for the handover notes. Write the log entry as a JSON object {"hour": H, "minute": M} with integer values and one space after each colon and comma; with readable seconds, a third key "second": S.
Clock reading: {"hour": 12, "minute": 42}
